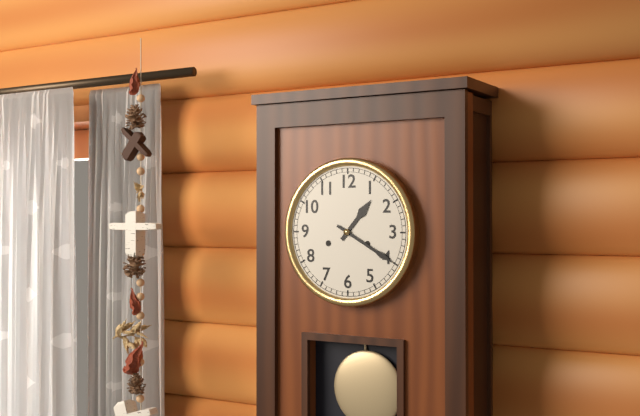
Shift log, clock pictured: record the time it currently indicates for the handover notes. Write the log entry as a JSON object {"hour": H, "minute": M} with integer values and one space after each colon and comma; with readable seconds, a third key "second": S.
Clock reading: {"hour": 1, "minute": 20}
